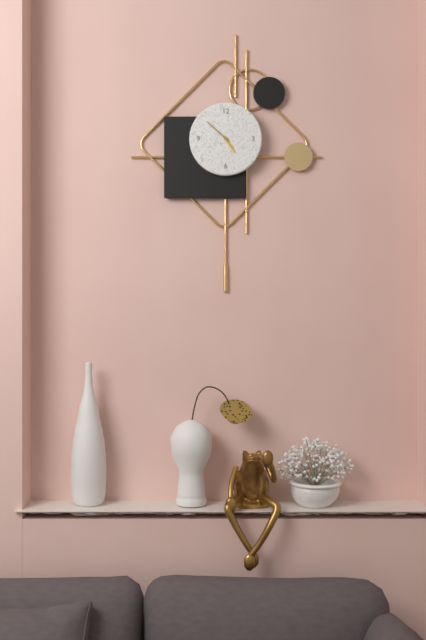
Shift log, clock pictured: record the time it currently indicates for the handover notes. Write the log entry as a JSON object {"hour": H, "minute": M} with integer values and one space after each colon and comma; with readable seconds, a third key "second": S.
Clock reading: {"hour": 4, "minute": 52}
